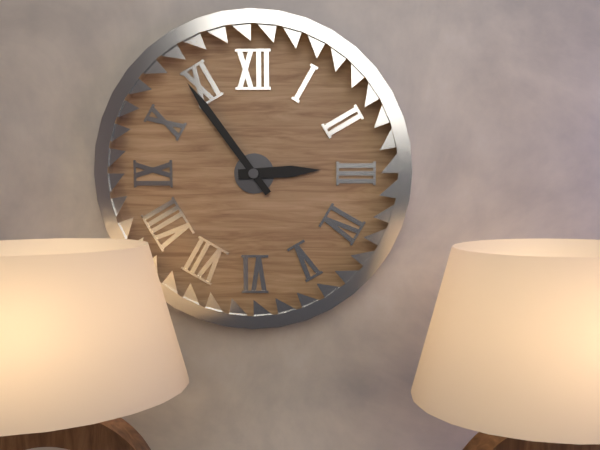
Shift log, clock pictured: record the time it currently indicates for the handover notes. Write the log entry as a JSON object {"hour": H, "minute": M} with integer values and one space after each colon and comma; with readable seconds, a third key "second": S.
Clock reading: {"hour": 2, "minute": 54}
